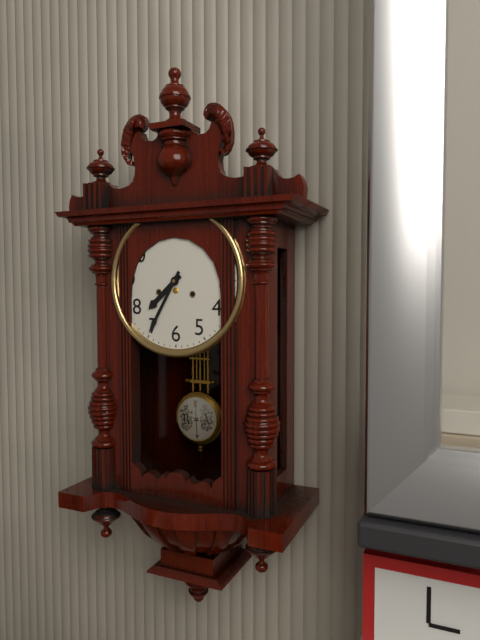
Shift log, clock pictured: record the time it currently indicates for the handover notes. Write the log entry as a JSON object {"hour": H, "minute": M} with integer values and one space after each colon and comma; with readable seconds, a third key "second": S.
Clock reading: {"hour": 7, "minute": 35}
